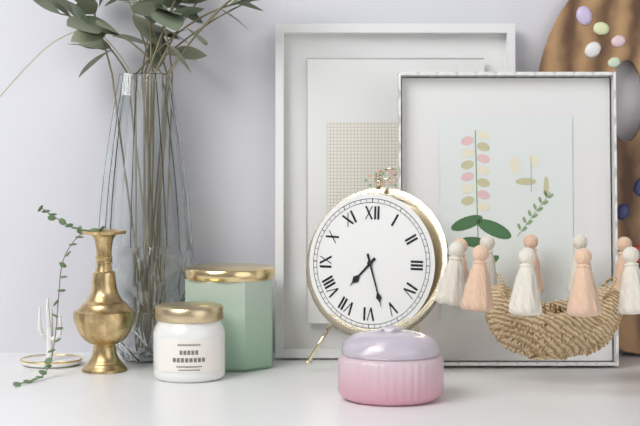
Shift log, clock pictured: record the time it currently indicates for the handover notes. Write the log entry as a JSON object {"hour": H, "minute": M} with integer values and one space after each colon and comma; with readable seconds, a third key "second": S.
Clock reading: {"hour": 7, "minute": 27}
